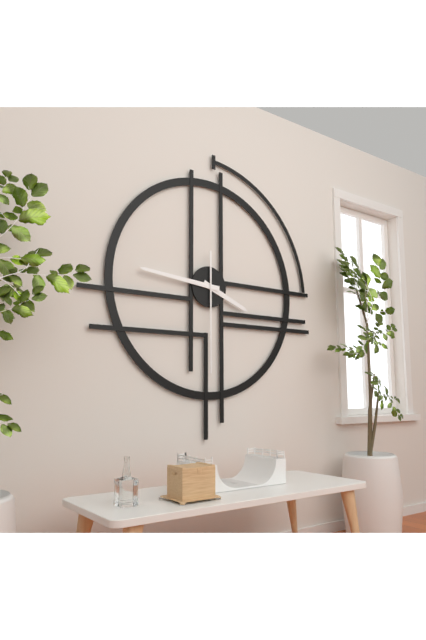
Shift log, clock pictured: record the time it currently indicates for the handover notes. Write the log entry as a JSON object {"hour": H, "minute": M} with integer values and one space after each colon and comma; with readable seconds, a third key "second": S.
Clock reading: {"hour": 3, "minute": 46, "second": 30}
